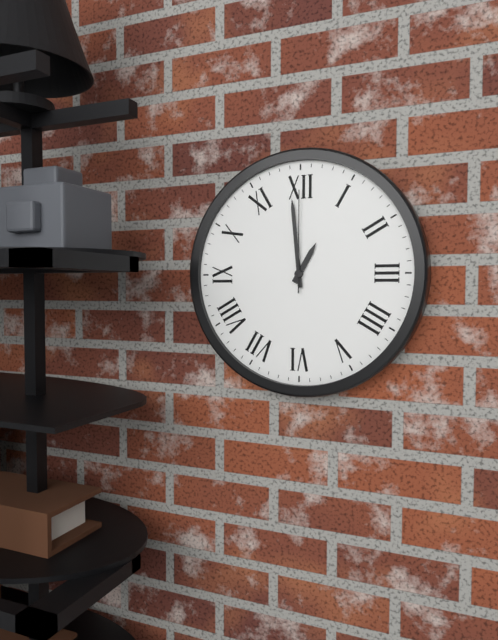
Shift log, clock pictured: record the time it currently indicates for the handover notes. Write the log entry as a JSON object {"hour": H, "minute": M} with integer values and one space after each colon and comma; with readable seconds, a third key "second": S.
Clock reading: {"hour": 12, "minute": 59, "second": 0}
